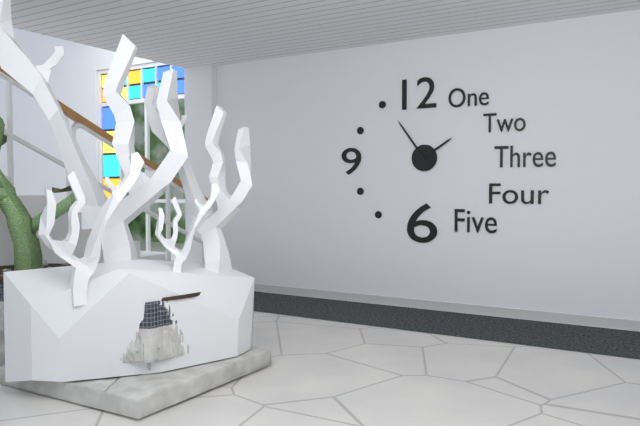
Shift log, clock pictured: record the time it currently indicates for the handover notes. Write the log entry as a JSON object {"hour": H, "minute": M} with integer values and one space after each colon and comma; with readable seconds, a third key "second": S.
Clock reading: {"hour": 1, "minute": 54}
